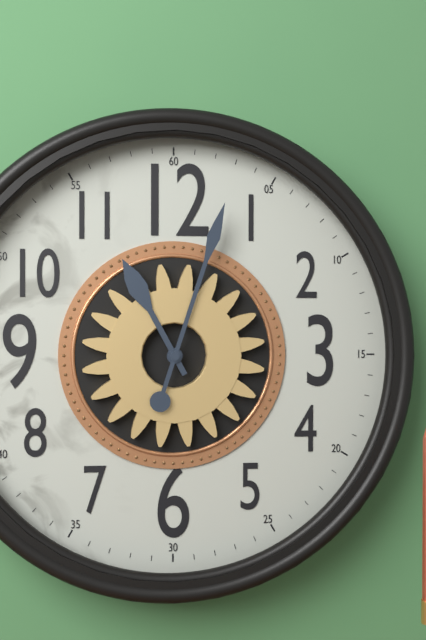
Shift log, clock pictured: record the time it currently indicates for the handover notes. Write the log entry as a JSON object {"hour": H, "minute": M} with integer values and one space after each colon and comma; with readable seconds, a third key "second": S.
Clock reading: {"hour": 11, "minute": 3}
